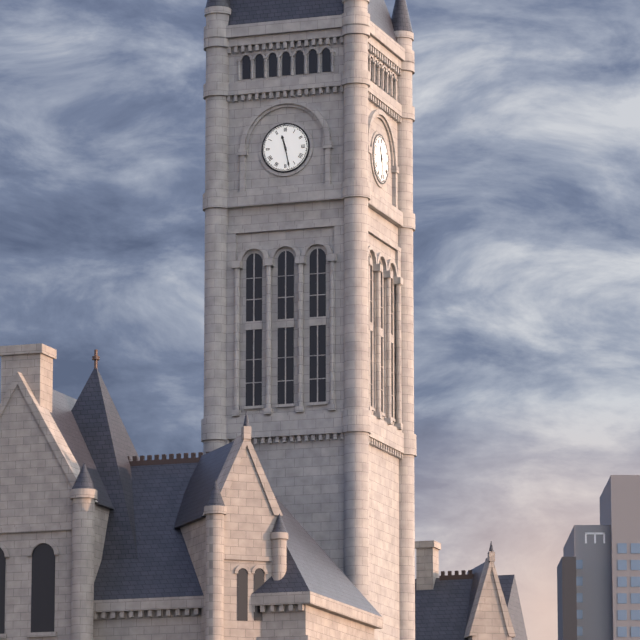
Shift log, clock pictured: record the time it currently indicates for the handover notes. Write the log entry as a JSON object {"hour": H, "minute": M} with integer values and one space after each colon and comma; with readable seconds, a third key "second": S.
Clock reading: {"hour": 11, "minute": 28}
